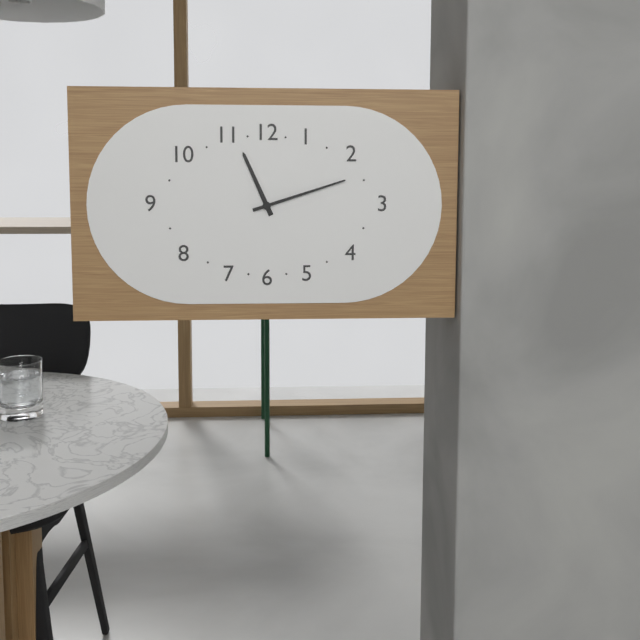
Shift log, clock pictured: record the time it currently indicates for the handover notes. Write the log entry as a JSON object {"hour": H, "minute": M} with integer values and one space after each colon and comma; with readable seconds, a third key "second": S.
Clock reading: {"hour": 11, "minute": 12}
